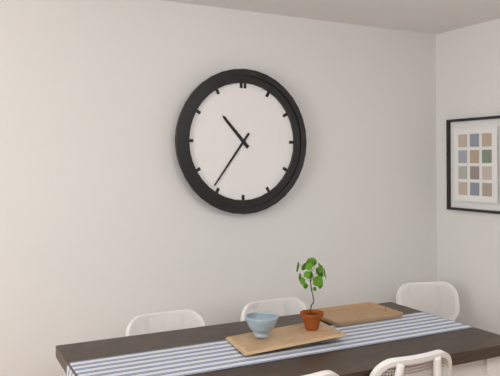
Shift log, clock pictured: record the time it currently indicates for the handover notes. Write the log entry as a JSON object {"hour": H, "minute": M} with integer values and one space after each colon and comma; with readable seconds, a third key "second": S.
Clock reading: {"hour": 10, "minute": 36}
